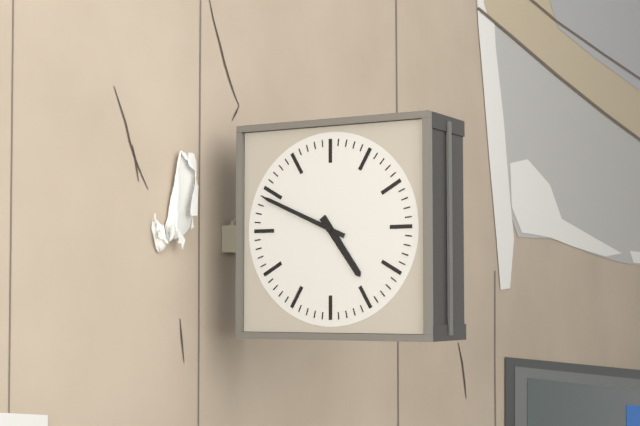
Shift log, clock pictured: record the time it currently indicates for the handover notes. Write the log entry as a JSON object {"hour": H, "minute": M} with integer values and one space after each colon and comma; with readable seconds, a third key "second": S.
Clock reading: {"hour": 4, "minute": 49}
